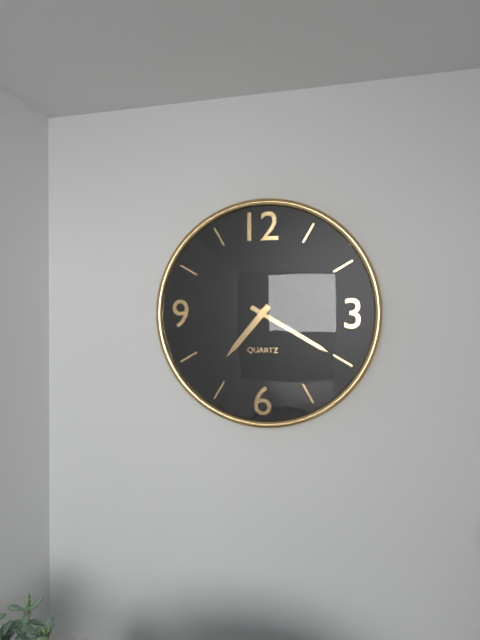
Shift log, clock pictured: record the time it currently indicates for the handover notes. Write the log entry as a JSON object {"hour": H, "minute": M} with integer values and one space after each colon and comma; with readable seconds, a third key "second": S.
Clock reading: {"hour": 7, "minute": 20}
